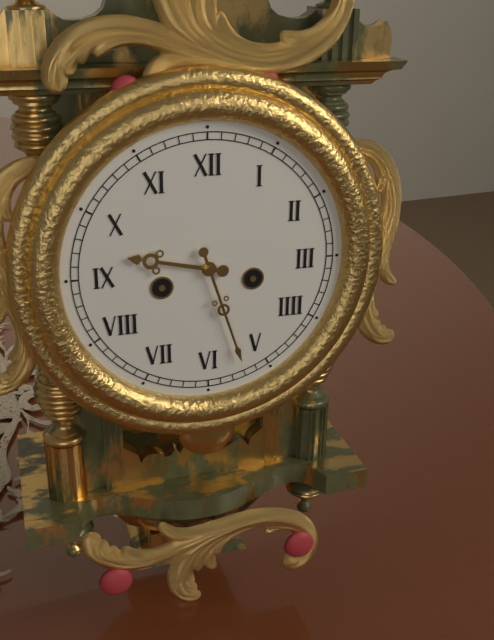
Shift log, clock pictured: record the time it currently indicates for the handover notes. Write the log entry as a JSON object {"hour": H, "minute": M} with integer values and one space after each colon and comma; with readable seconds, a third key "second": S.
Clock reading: {"hour": 9, "minute": 27}
